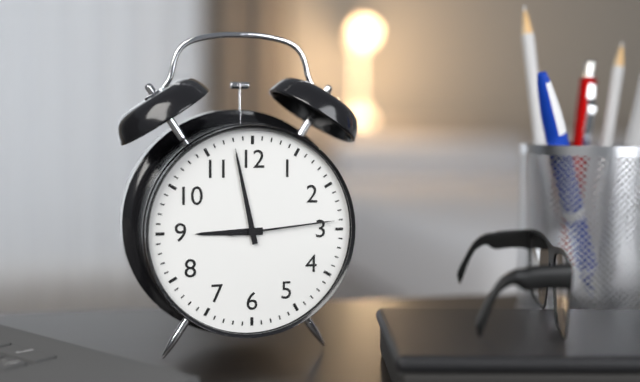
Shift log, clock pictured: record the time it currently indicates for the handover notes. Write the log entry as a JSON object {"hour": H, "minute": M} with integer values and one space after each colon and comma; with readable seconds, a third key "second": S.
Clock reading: {"hour": 8, "minute": 58, "second": 14}
